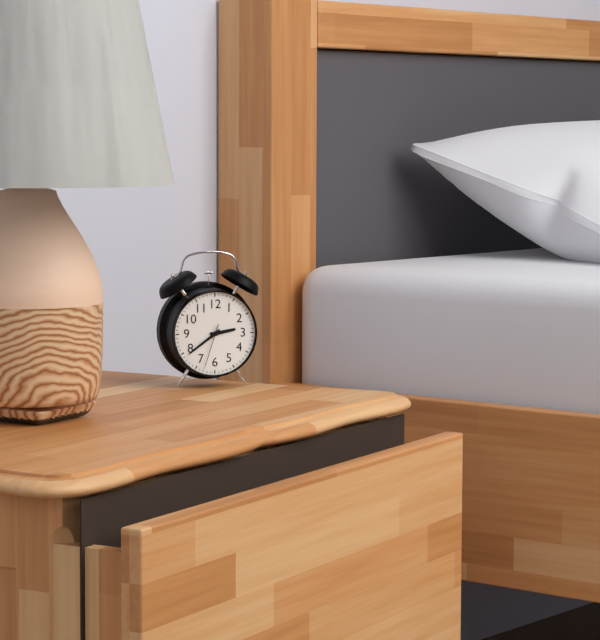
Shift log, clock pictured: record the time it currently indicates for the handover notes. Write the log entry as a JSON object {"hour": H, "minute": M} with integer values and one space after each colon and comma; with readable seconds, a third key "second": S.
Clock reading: {"hour": 2, "minute": 39}
